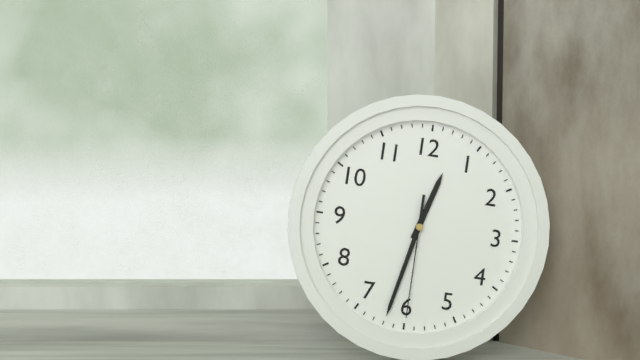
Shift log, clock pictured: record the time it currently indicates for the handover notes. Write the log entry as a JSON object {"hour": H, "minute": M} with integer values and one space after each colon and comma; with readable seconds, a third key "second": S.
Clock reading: {"hour": 12, "minute": 32, "second": 30}
